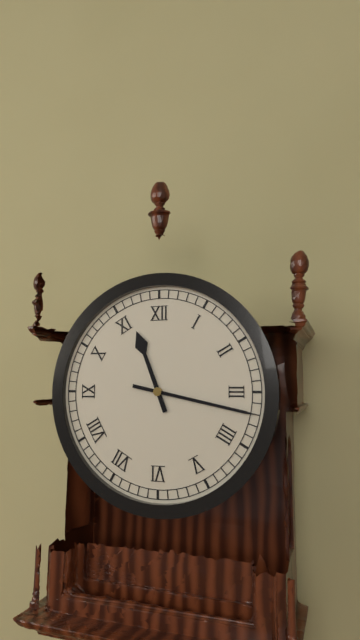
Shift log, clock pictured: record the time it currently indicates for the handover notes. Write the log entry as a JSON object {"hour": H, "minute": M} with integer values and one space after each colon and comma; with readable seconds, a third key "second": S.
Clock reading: {"hour": 11, "minute": 17}
